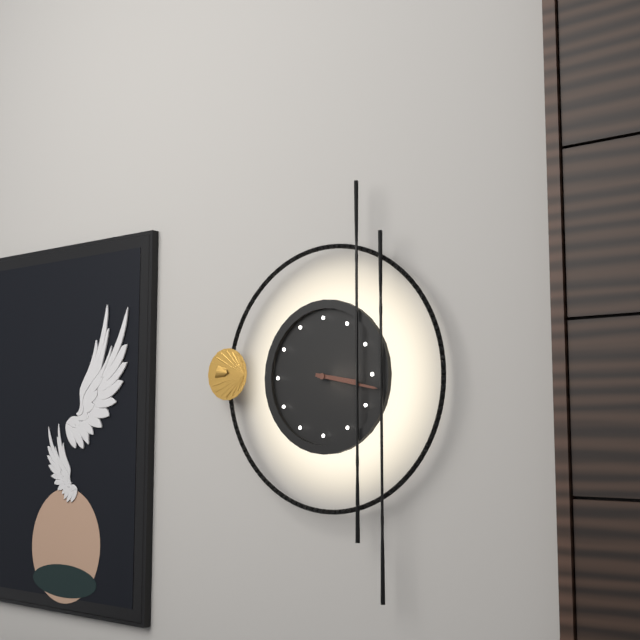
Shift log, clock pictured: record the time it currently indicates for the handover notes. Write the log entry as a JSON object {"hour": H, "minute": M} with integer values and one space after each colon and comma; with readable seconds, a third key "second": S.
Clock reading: {"hour": 3, "minute": 17}
